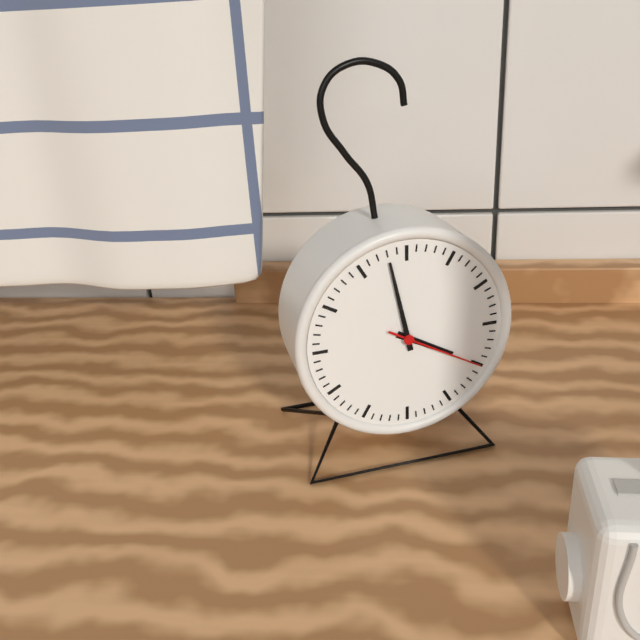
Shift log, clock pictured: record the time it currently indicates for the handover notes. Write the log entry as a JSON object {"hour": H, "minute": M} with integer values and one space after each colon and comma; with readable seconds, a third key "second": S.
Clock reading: {"hour": 3, "minute": 58, "second": 20}
